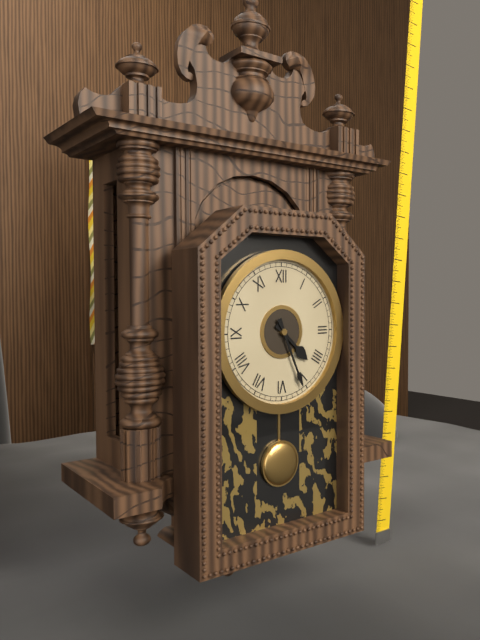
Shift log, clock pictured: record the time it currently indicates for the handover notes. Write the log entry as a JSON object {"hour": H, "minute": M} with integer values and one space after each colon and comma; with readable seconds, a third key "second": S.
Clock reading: {"hour": 4, "minute": 26}
